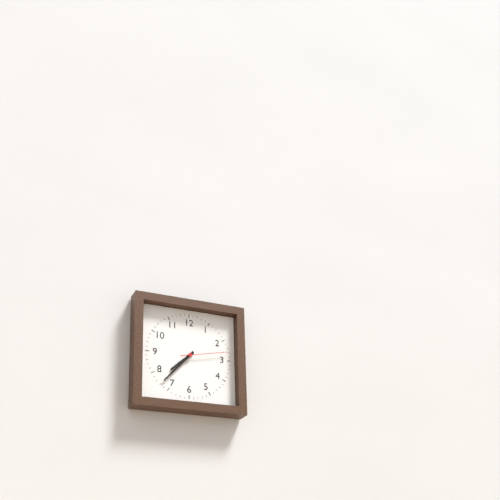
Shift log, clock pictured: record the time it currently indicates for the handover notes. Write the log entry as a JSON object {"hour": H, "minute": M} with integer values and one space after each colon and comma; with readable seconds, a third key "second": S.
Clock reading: {"hour": 7, "minute": 37}
